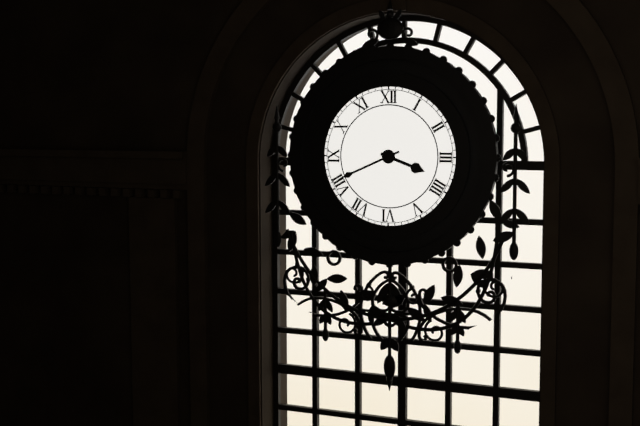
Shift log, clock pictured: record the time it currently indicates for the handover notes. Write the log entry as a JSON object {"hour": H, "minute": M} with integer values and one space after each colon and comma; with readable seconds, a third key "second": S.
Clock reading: {"hour": 3, "minute": 41}
